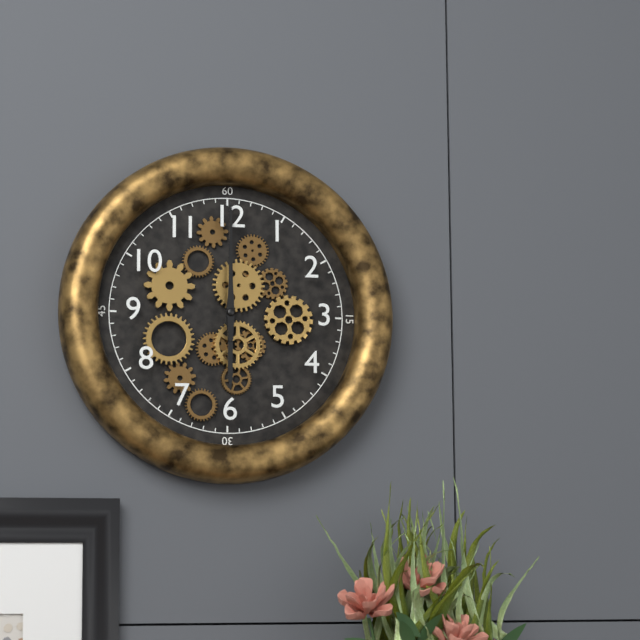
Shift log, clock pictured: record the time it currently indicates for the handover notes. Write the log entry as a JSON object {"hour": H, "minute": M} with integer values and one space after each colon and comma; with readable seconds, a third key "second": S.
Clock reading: {"hour": 6, "minute": 0}
